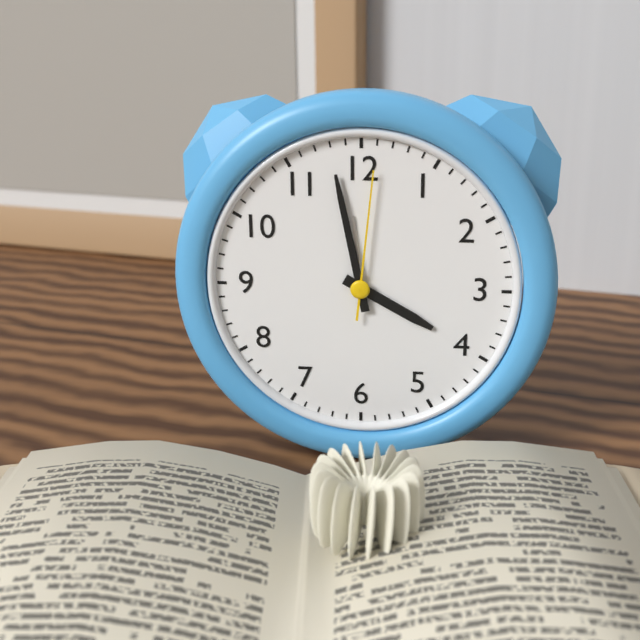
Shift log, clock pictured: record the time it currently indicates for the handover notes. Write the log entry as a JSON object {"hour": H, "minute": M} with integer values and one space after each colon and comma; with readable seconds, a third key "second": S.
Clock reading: {"hour": 3, "minute": 58, "second": 1}
